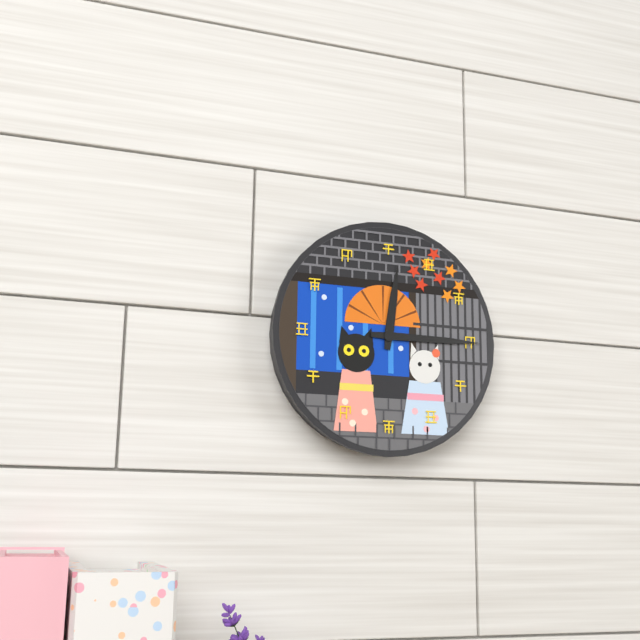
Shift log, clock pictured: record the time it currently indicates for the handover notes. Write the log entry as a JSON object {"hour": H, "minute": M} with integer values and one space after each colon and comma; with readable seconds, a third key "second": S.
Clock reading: {"hour": 12, "minute": 15}
